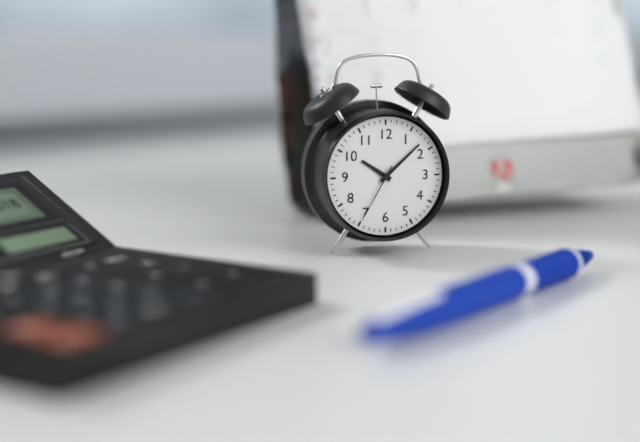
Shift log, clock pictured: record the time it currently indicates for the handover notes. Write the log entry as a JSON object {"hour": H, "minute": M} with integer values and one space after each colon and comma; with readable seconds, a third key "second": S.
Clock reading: {"hour": 10, "minute": 8, "second": 35}
